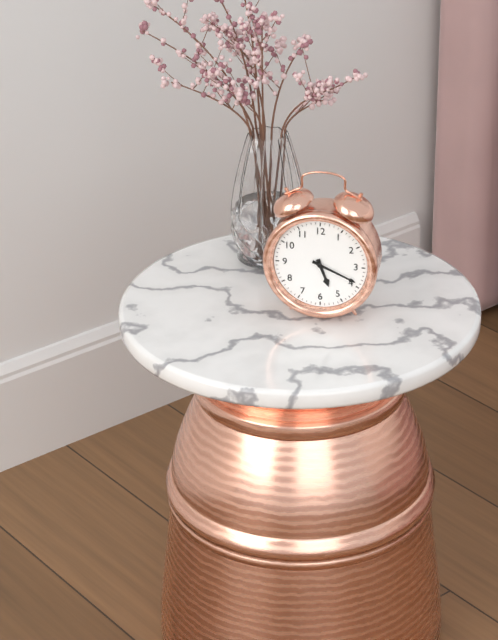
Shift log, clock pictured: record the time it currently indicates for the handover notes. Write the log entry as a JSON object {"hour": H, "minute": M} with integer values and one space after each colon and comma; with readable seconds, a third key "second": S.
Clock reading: {"hour": 5, "minute": 19}
